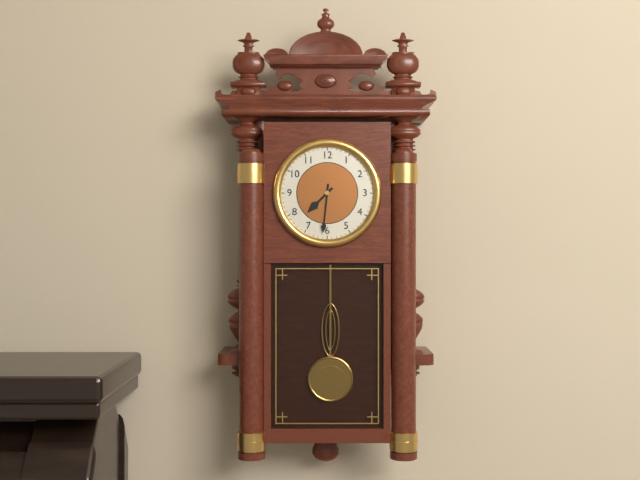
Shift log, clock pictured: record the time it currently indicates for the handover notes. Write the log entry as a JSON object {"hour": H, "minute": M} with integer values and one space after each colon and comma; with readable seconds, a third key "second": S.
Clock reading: {"hour": 7, "minute": 31}
